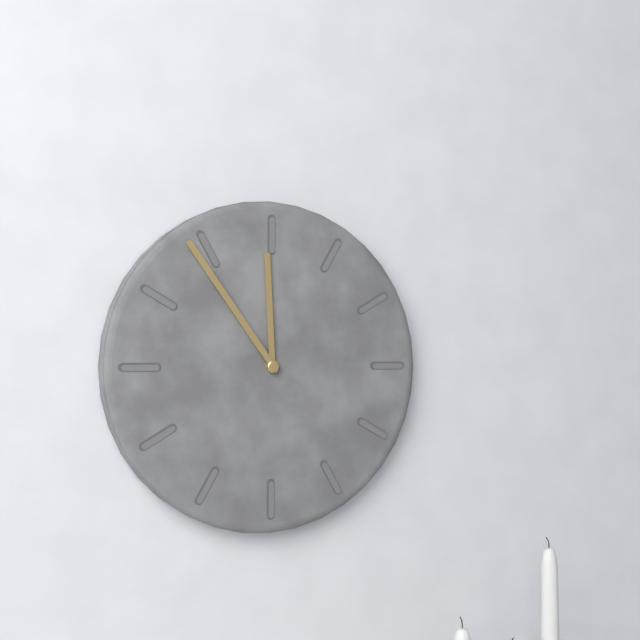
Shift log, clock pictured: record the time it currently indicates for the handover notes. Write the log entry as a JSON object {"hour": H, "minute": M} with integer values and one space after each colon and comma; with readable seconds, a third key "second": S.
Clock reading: {"hour": 11, "minute": 54}
